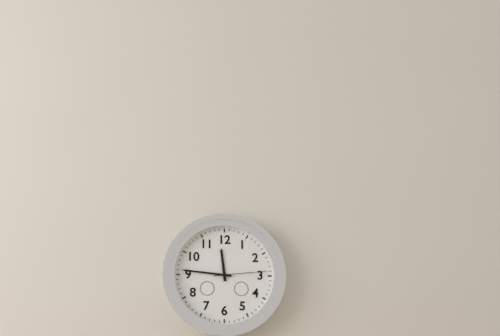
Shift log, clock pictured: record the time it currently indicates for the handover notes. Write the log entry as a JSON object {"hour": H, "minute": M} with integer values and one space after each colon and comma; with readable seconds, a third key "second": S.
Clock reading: {"hour": 11, "minute": 46, "second": 14}
